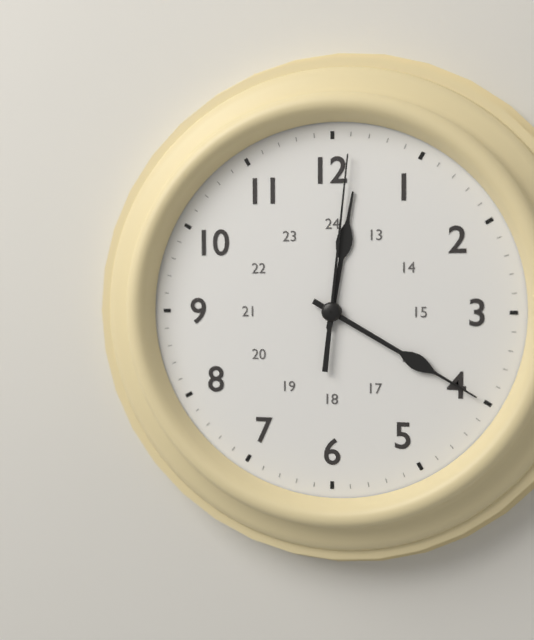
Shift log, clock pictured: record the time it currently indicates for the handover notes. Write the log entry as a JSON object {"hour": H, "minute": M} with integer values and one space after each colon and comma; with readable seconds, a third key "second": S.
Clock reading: {"hour": 12, "minute": 20, "second": 1}
